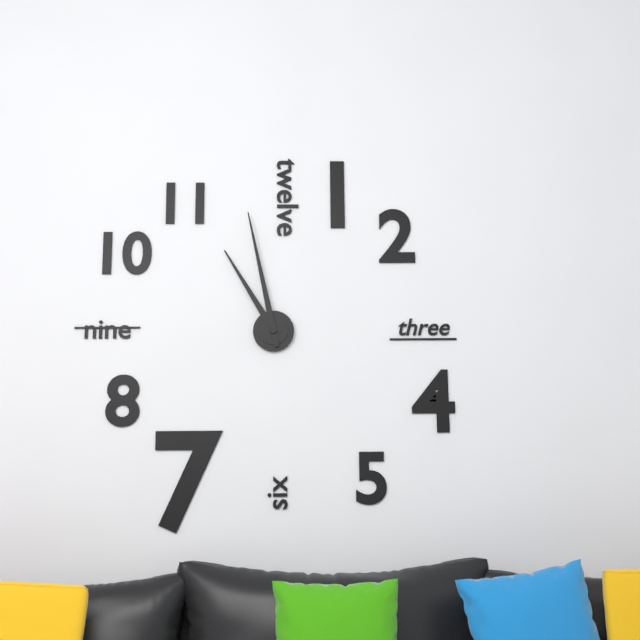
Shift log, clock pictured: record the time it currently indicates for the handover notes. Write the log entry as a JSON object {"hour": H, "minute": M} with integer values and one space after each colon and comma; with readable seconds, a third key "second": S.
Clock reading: {"hour": 10, "minute": 58}
